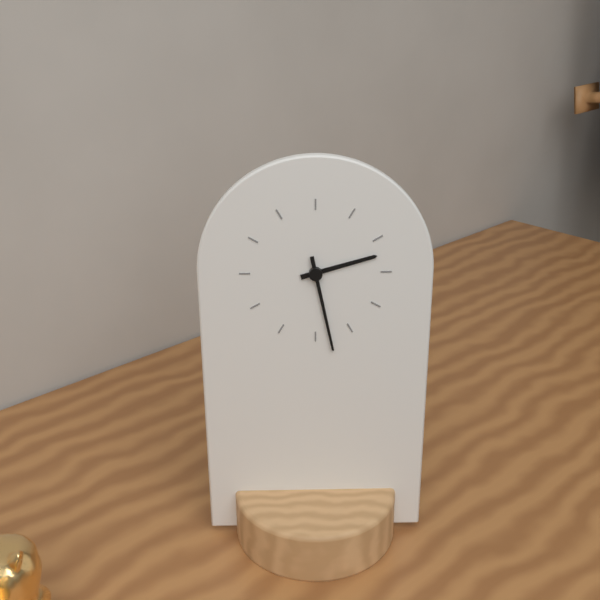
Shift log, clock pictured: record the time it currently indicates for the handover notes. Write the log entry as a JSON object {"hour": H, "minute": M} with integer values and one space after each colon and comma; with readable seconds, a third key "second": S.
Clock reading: {"hour": 2, "minute": 28}
